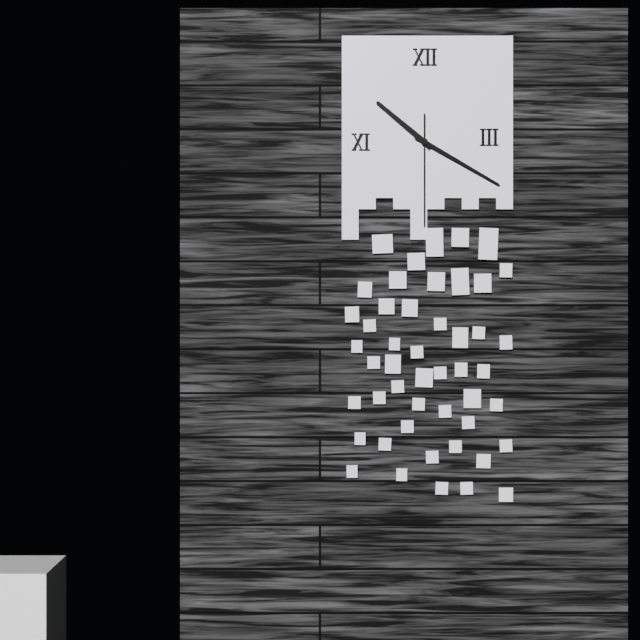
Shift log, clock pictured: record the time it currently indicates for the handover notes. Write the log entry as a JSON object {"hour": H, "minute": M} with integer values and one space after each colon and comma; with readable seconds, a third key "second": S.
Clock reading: {"hour": 10, "minute": 20, "second": 30}
